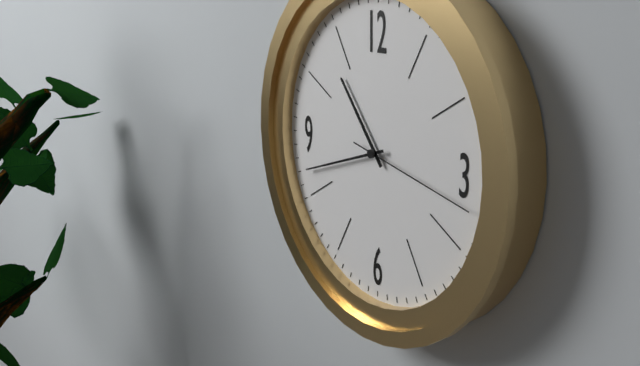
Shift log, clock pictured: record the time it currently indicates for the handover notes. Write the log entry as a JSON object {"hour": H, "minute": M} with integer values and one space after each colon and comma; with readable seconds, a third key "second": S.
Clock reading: {"hour": 10, "minute": 42, "second": 17}
